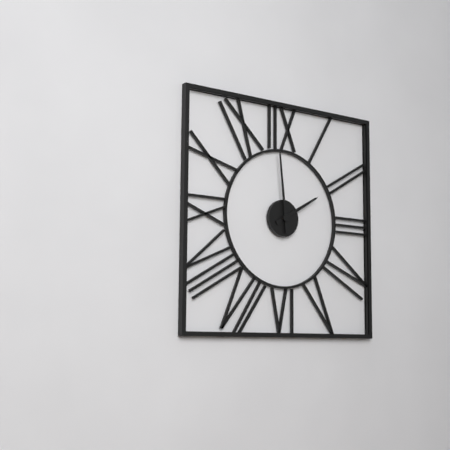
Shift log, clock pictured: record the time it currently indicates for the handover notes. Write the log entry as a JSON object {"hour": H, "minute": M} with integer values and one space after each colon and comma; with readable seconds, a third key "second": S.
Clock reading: {"hour": 1, "minute": 59}
